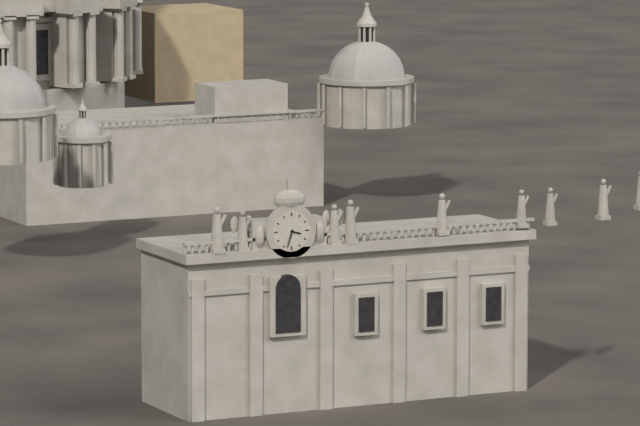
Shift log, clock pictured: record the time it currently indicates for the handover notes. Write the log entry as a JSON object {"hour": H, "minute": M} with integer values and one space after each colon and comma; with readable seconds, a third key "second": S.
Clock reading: {"hour": 3, "minute": 33}
